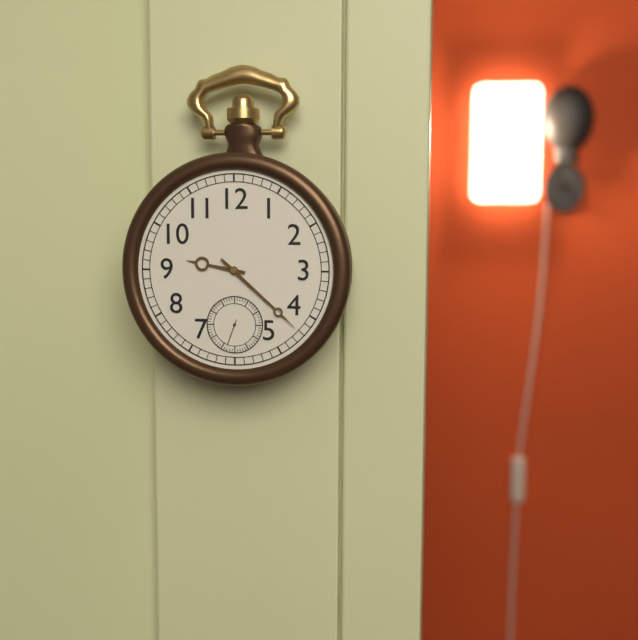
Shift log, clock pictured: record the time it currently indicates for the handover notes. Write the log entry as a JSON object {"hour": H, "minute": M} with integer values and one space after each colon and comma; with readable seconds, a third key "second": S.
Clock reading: {"hour": 9, "minute": 22}
